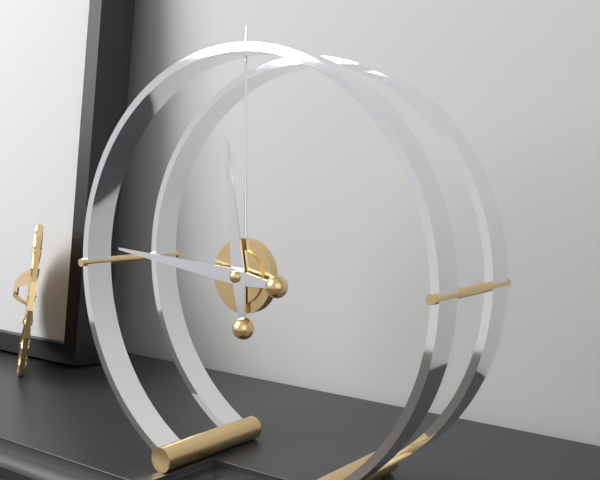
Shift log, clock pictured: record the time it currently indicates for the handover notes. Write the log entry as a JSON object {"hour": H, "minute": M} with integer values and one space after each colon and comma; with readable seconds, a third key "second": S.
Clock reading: {"hour": 11, "minute": 46}
